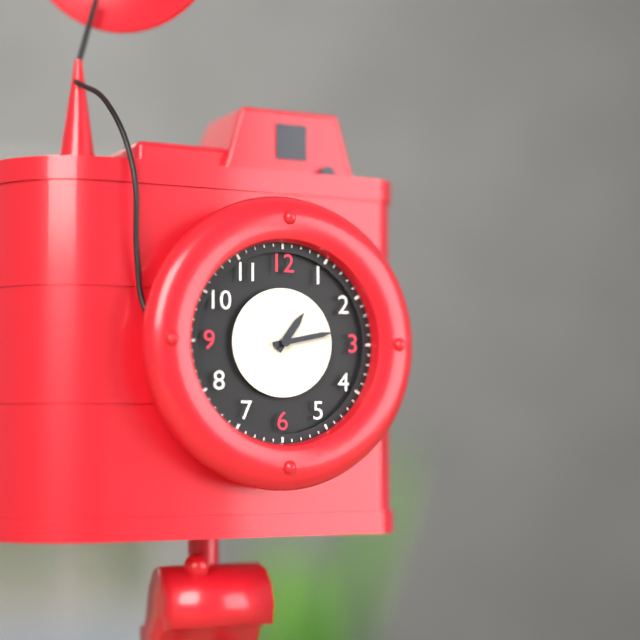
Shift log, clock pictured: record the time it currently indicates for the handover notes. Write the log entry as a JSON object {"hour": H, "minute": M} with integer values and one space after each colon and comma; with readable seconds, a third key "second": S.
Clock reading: {"hour": 1, "minute": 13}
